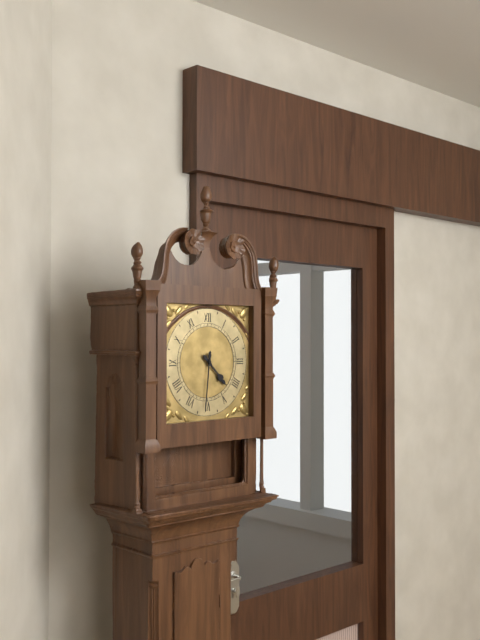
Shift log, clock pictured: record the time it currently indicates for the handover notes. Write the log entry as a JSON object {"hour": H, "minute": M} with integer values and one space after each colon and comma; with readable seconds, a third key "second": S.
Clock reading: {"hour": 4, "minute": 31}
